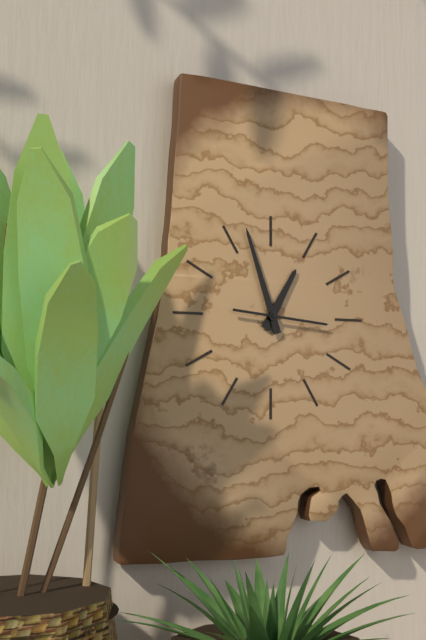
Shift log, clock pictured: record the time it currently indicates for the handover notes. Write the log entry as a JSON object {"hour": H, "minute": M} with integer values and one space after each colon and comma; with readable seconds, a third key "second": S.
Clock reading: {"hour": 12, "minute": 57, "second": 16}
